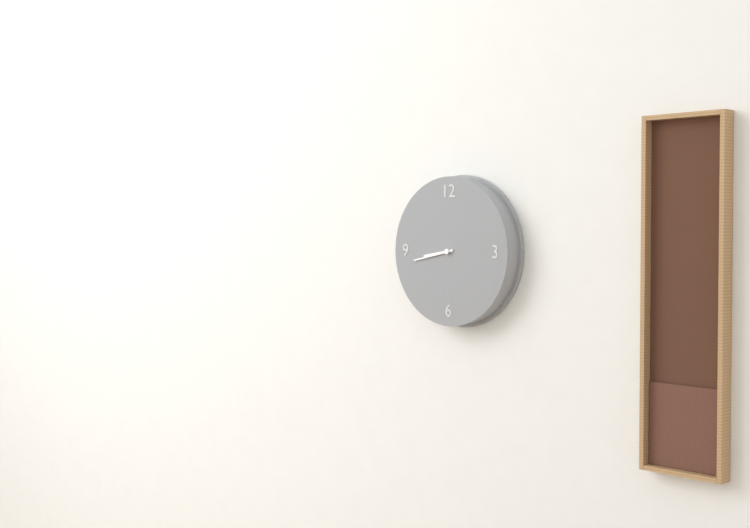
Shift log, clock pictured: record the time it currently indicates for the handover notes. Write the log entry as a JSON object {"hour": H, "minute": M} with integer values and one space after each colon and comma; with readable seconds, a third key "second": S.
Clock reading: {"hour": 8, "minute": 43}
